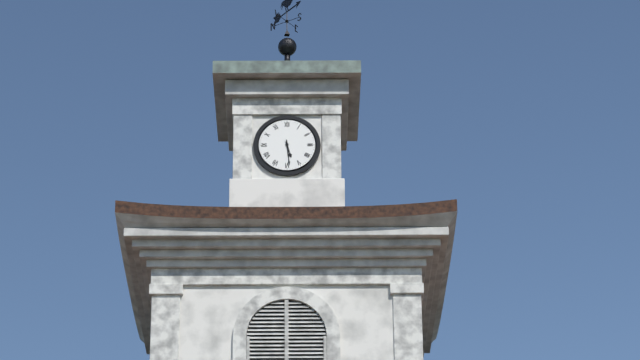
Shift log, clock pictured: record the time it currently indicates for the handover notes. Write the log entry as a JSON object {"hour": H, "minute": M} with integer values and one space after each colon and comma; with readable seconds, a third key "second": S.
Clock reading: {"hour": 5, "minute": 29}
